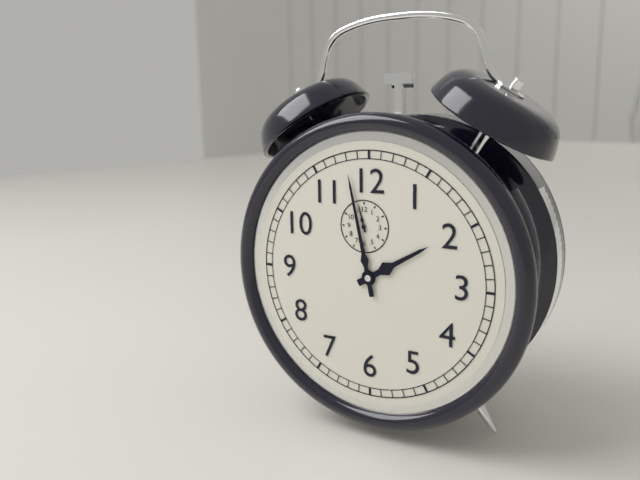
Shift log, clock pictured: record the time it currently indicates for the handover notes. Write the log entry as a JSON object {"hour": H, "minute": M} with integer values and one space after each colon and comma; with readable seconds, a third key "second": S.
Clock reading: {"hour": 1, "minute": 58}
